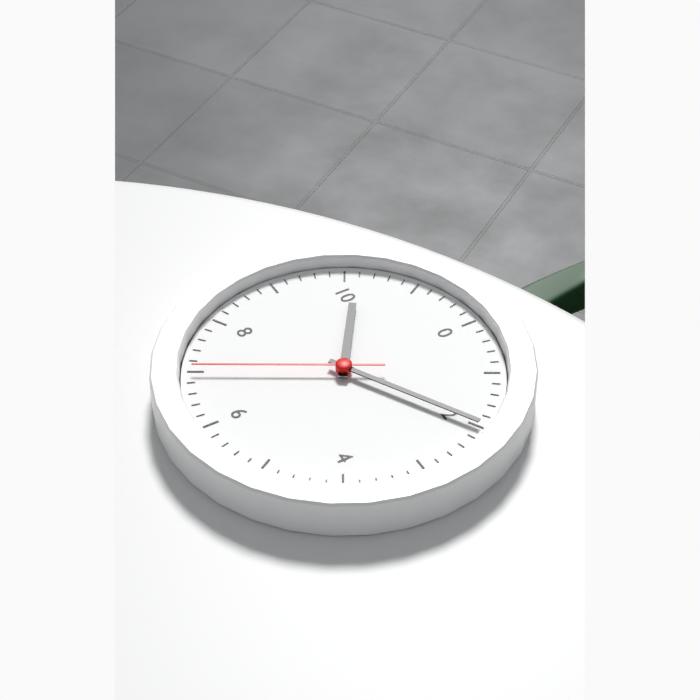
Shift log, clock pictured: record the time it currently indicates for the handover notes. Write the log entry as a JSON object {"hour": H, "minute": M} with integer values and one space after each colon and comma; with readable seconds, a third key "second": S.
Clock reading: {"hour": 10, "minute": 10, "second": 35}
